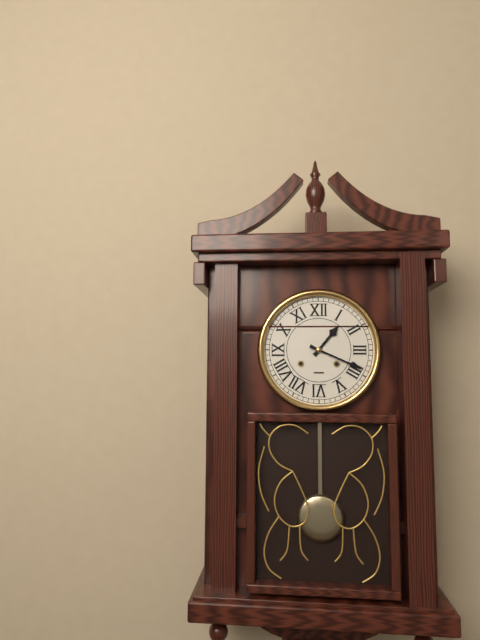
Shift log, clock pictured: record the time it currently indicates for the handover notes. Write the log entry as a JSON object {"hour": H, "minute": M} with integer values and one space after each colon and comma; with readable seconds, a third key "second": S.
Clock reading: {"hour": 1, "minute": 19}
